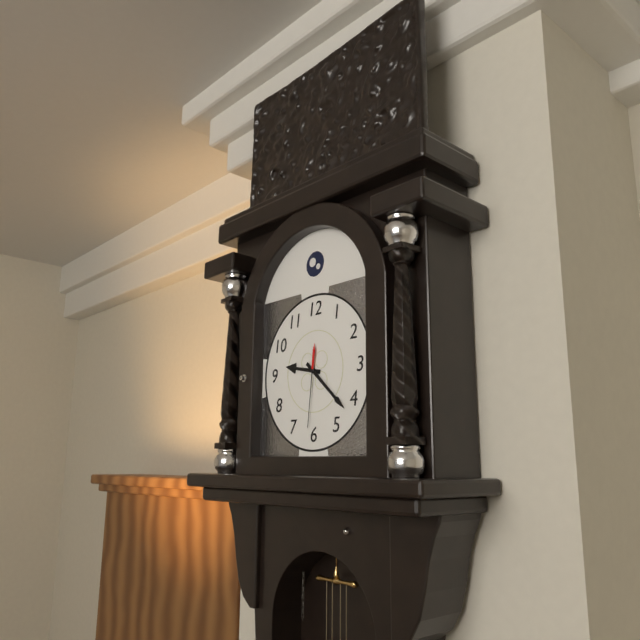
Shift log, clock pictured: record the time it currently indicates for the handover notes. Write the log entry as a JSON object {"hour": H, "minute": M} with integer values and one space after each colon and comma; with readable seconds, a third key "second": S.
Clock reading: {"hour": 9, "minute": 22, "second": 31}
